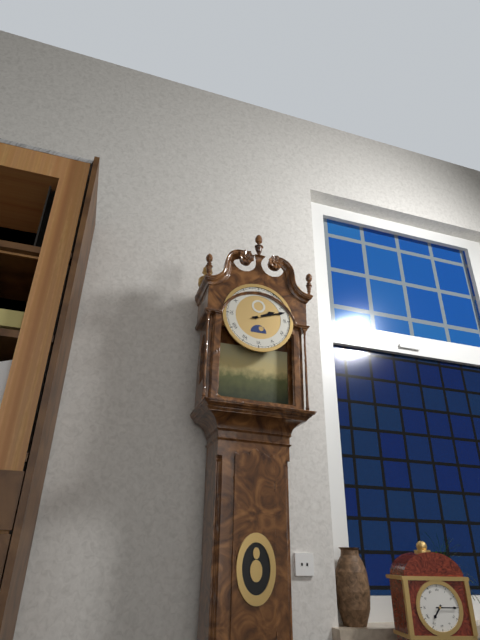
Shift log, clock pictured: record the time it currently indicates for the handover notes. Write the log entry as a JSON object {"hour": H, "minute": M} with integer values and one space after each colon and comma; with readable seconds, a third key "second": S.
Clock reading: {"hour": 2, "minute": 12}
